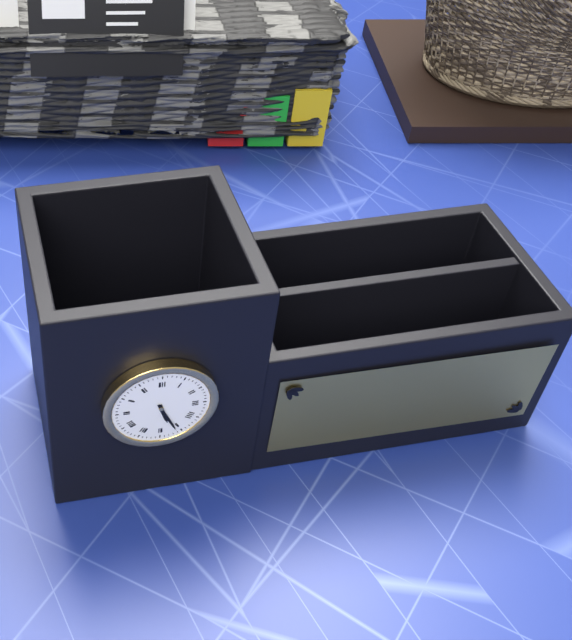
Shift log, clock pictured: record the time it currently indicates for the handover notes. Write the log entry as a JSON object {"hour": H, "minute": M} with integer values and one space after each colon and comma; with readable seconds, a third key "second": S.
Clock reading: {"hour": 5, "minute": 26}
